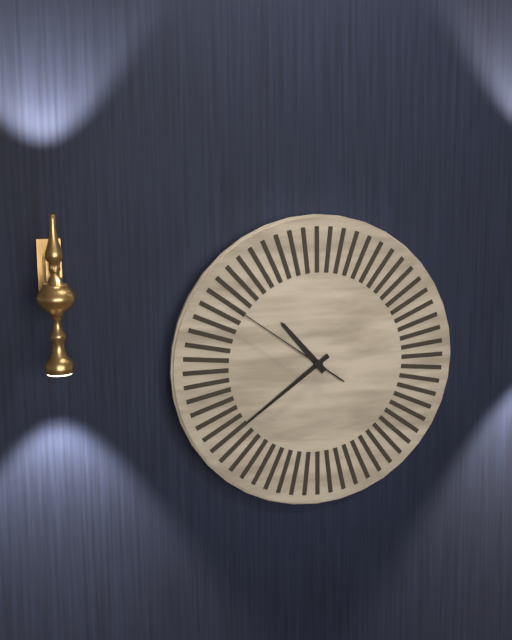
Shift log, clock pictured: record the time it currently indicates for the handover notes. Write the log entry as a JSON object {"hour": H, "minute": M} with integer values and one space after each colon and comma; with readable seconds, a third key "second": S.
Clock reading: {"hour": 10, "minute": 39, "second": 51}
